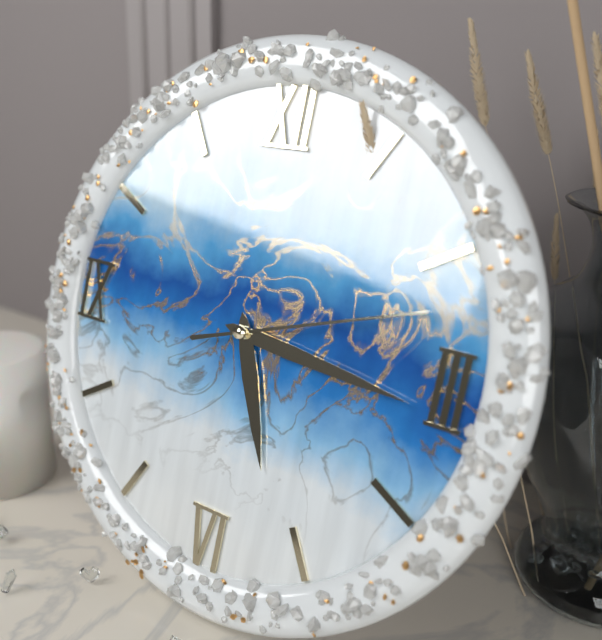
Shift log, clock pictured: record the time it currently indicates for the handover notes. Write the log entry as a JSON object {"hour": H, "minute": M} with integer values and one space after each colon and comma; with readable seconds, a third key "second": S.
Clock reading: {"hour": 5, "minute": 16, "second": 12}
